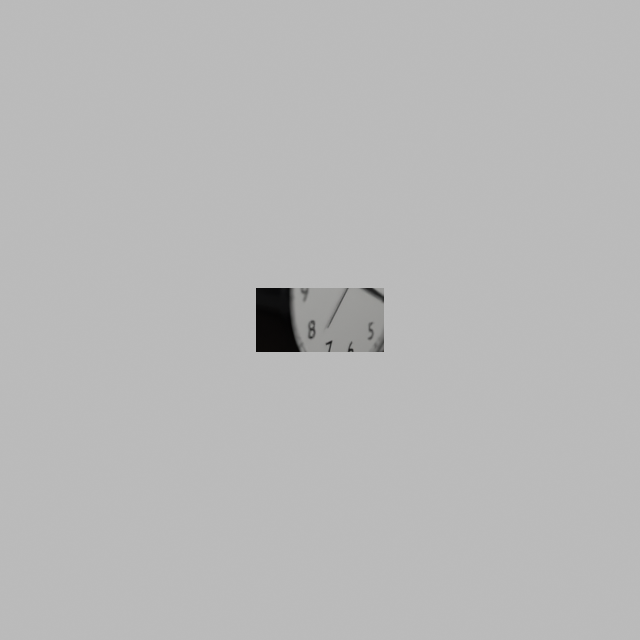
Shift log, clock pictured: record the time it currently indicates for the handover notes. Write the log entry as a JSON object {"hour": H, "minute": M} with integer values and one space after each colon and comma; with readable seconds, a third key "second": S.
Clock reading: {"hour": 3, "minute": 20, "second": 38}
